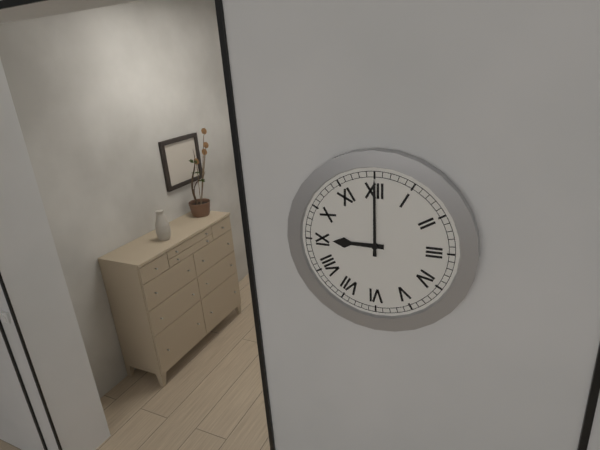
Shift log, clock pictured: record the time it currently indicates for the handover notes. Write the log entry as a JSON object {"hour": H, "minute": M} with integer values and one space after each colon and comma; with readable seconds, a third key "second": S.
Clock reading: {"hour": 9, "minute": 0}
